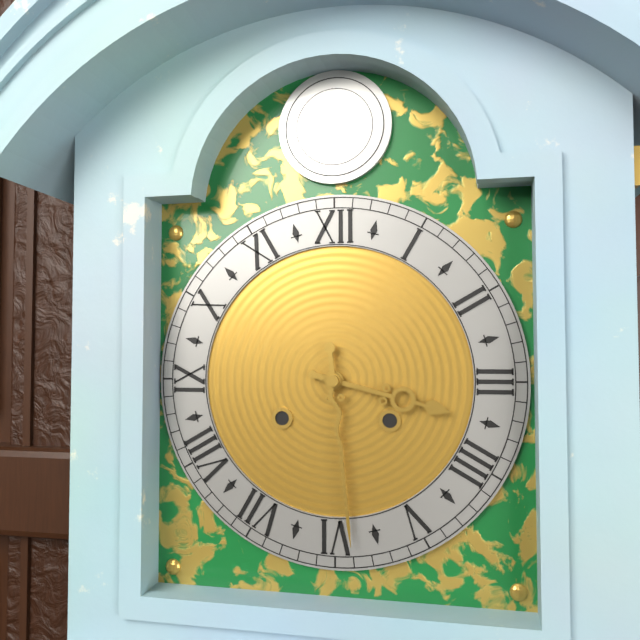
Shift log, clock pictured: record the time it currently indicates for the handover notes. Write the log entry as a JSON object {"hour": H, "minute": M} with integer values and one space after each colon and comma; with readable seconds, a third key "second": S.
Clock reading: {"hour": 3, "minute": 29}
